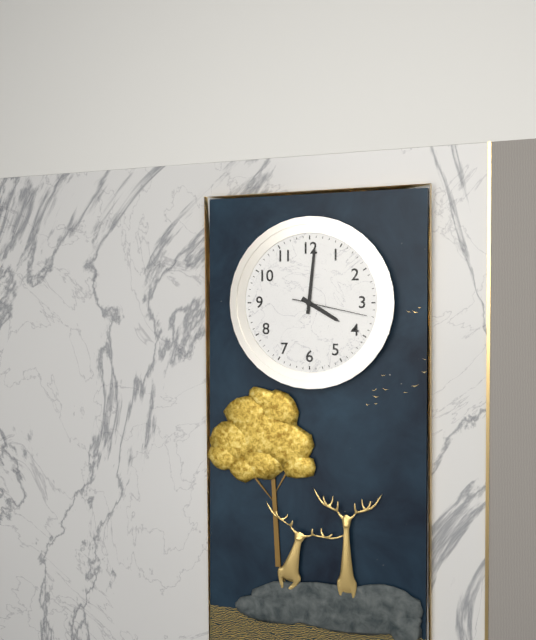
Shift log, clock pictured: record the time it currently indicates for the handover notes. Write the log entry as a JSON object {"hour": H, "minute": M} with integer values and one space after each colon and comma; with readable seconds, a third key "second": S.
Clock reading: {"hour": 4, "minute": 1, "second": 17}
